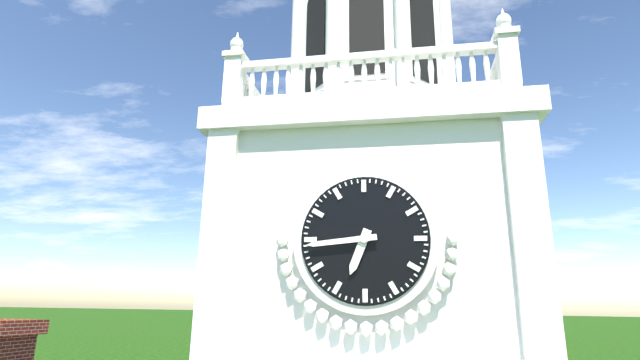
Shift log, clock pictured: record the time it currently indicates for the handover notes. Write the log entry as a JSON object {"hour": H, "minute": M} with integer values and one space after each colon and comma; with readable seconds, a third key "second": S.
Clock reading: {"hour": 6, "minute": 44}
